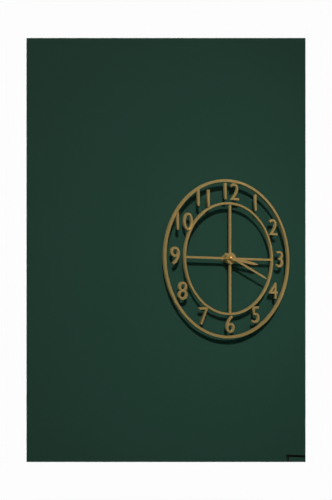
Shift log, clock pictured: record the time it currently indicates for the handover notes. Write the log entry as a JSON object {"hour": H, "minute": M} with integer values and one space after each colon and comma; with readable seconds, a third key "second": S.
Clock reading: {"hour": 3, "minute": 19}
